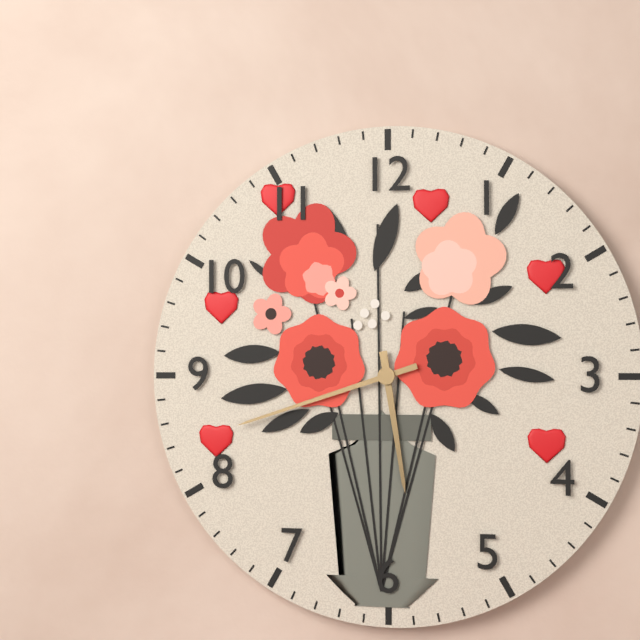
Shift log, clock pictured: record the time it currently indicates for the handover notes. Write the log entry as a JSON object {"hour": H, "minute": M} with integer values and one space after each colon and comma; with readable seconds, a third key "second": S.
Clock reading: {"hour": 5, "minute": 42}
